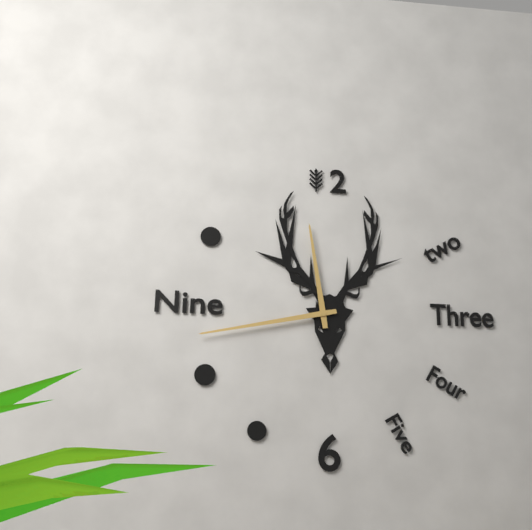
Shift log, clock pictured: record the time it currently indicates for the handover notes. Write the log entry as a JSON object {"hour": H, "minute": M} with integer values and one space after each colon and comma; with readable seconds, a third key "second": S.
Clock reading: {"hour": 11, "minute": 43}
